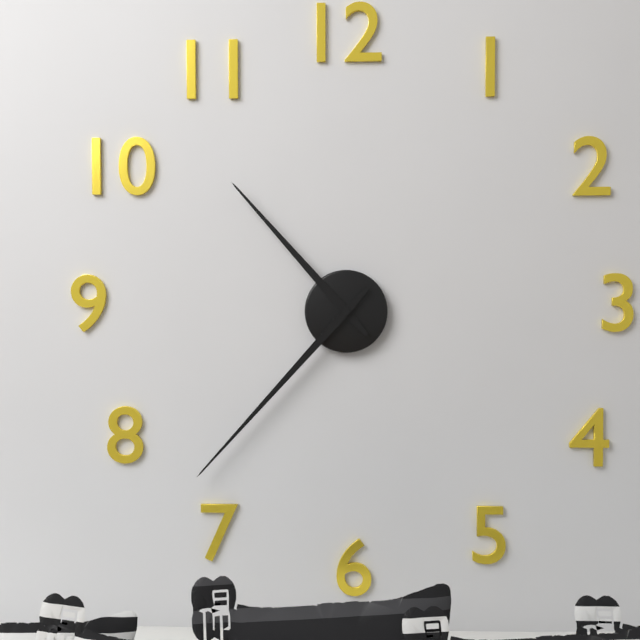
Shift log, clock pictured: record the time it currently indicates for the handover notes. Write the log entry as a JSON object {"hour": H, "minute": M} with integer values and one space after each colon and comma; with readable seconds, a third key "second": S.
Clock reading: {"hour": 10, "minute": 37}
